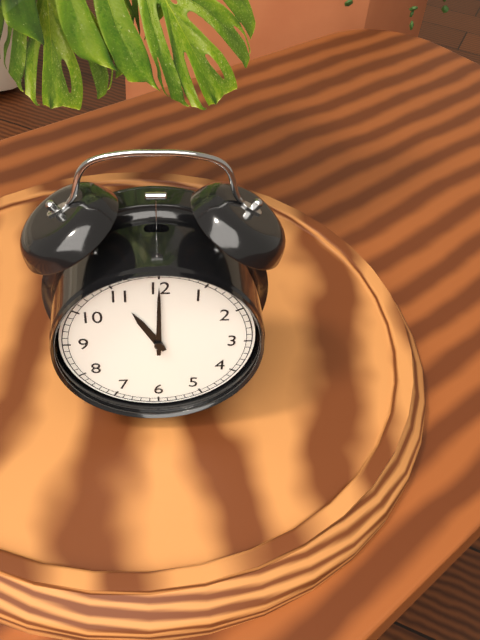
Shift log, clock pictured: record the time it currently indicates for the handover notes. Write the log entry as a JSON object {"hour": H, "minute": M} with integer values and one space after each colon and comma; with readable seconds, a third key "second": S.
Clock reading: {"hour": 11, "minute": 0}
